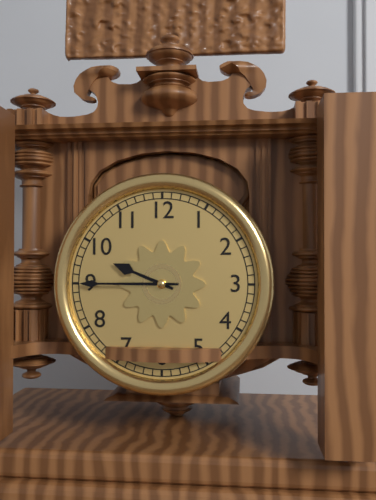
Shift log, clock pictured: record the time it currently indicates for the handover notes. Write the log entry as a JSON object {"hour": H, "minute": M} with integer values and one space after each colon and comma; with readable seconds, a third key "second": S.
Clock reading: {"hour": 9, "minute": 45}
